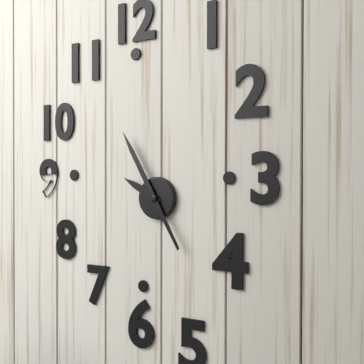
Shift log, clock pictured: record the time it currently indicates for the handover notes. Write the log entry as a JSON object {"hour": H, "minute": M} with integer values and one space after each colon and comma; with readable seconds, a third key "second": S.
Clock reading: {"hour": 9, "minute": 55}
